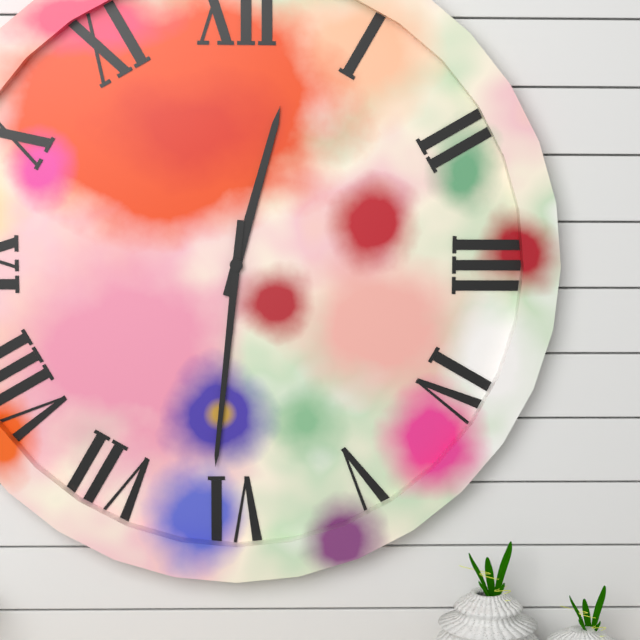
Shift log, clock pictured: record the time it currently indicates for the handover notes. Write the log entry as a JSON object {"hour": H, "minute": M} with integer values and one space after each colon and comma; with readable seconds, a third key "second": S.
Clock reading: {"hour": 12, "minute": 31}
